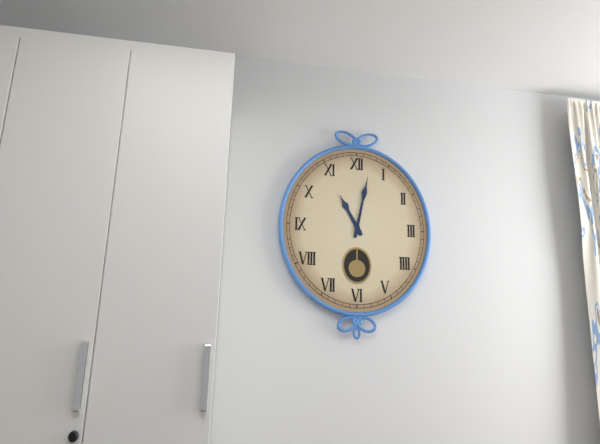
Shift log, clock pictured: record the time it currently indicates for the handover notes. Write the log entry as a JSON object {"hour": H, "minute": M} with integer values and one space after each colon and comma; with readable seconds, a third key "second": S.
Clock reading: {"hour": 11, "minute": 2}
